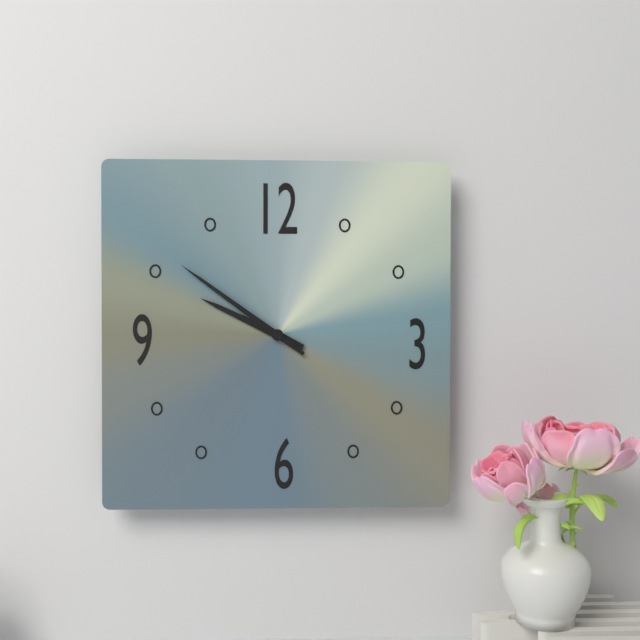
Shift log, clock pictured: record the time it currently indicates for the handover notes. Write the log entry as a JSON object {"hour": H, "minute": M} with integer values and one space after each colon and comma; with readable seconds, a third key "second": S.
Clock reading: {"hour": 9, "minute": 51}
